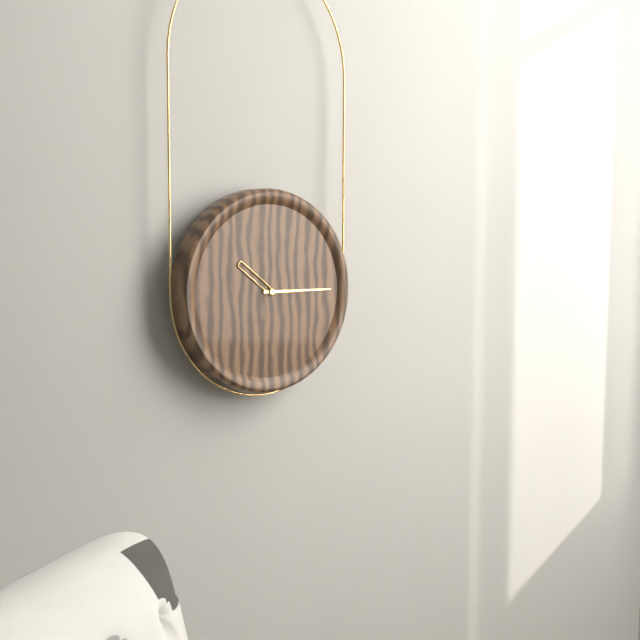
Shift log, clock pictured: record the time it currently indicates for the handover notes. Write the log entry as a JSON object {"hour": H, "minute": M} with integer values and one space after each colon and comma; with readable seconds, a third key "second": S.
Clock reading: {"hour": 10, "minute": 15}
